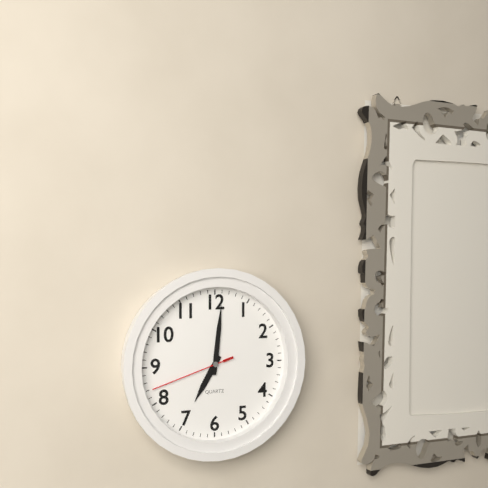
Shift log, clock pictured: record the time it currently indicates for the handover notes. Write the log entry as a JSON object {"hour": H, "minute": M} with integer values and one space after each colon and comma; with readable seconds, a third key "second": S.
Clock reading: {"hour": 7, "minute": 1, "second": 42}
